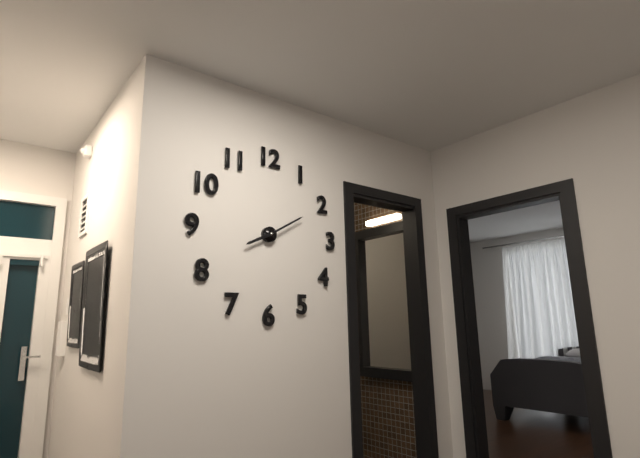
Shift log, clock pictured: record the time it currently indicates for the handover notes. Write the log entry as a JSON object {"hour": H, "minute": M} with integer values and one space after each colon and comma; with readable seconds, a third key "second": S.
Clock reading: {"hour": 8, "minute": 10}
